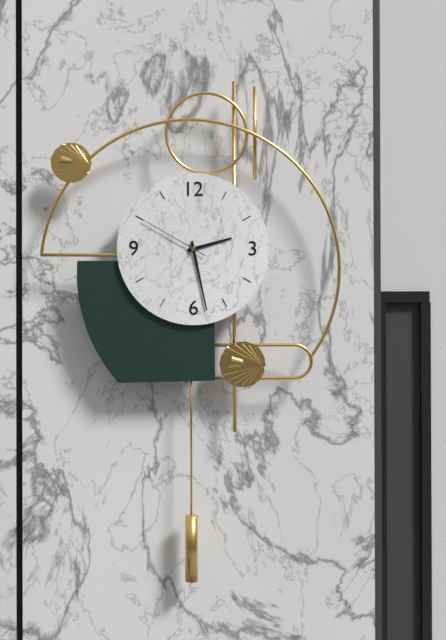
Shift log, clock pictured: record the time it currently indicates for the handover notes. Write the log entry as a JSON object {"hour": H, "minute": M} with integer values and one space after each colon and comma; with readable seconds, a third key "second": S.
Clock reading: {"hour": 2, "minute": 28, "second": 50}
